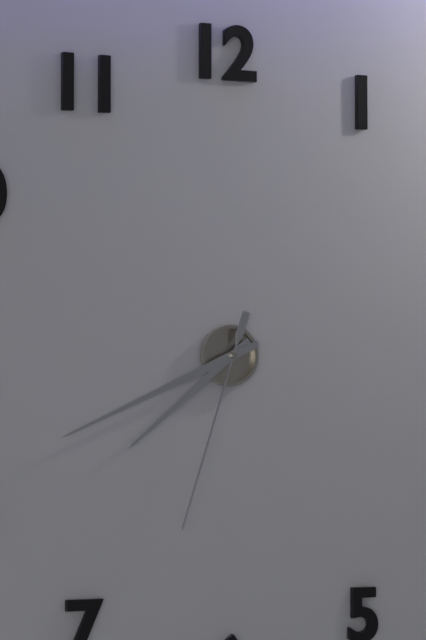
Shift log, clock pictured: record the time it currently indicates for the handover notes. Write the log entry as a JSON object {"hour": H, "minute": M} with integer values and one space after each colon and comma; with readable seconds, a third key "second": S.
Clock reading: {"hour": 7, "minute": 41, "second": 33}
